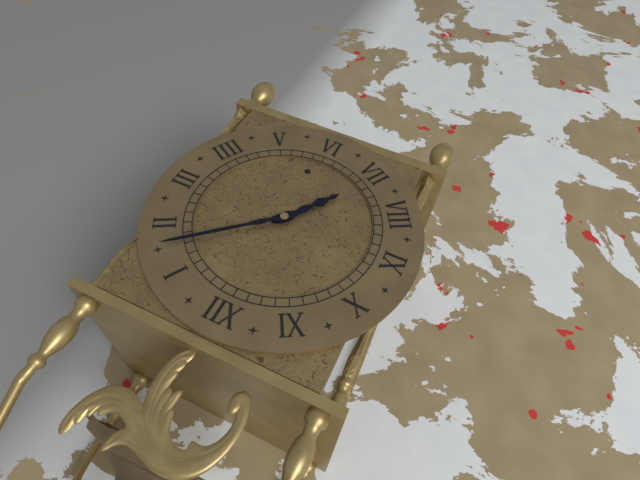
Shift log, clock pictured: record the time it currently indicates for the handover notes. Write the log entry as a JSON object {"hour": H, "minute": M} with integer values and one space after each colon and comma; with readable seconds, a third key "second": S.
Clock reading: {"hour": 7, "minute": 8}
